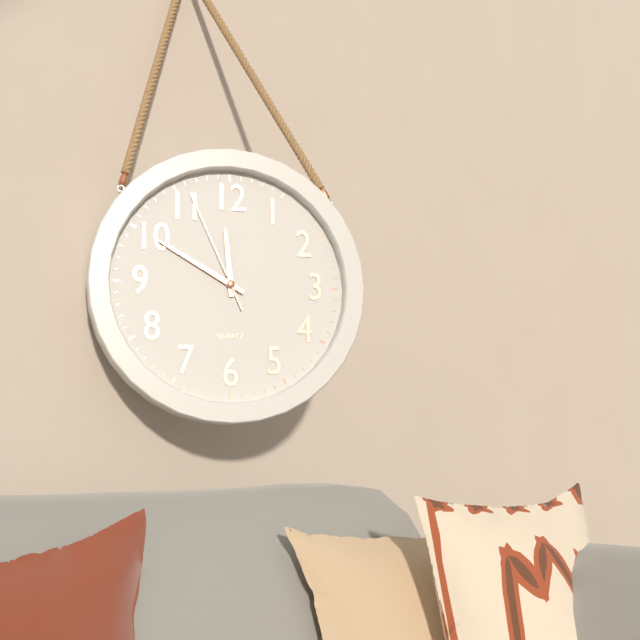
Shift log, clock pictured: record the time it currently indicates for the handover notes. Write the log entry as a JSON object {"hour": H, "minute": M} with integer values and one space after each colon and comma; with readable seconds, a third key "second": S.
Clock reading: {"hour": 11, "minute": 50, "second": 56}
